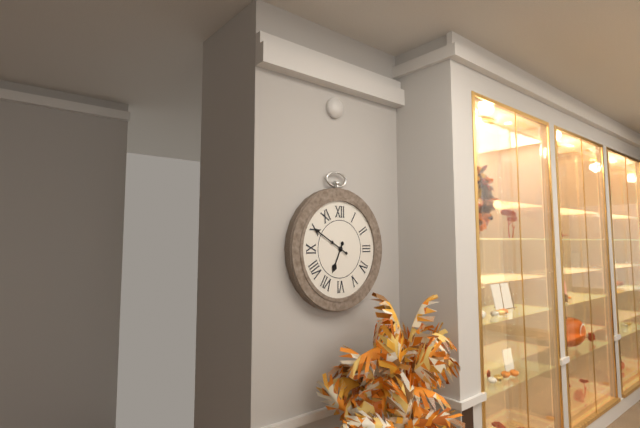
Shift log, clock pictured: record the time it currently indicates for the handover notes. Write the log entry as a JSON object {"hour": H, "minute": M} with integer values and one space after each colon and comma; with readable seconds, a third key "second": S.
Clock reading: {"hour": 6, "minute": 50}
